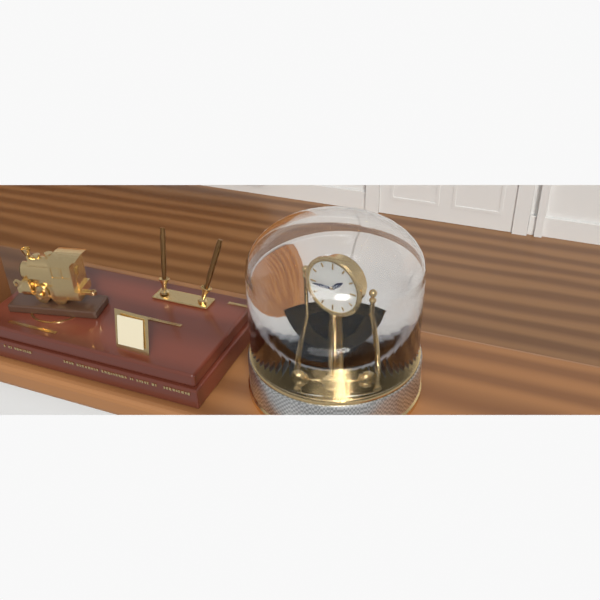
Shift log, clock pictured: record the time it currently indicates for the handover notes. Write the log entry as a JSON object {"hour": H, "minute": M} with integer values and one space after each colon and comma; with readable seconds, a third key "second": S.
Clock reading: {"hour": 1, "minute": 44}
